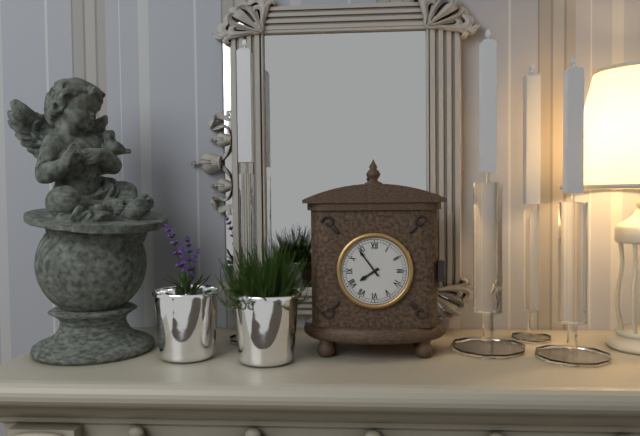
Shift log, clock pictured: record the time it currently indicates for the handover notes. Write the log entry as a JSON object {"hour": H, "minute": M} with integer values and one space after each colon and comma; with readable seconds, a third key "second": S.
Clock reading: {"hour": 7, "minute": 54}
